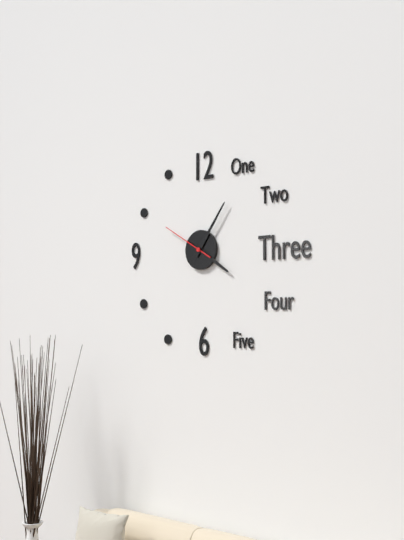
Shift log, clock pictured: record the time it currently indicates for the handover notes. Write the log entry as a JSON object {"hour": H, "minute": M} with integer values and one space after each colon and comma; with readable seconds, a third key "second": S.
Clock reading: {"hour": 4, "minute": 6, "second": 50}
